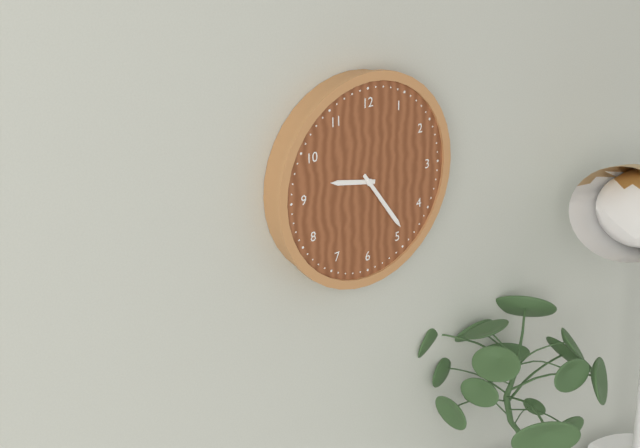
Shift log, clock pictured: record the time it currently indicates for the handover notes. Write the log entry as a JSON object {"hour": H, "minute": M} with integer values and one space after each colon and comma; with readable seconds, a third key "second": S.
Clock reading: {"hour": 9, "minute": 24}
